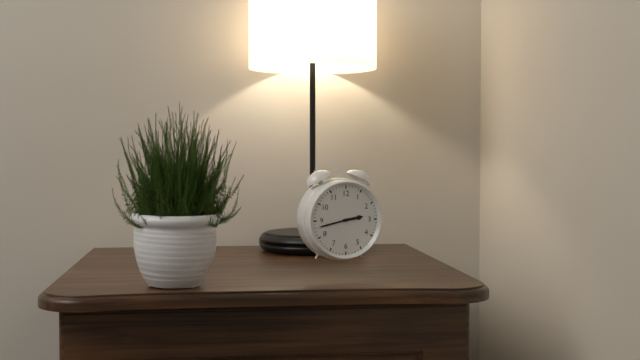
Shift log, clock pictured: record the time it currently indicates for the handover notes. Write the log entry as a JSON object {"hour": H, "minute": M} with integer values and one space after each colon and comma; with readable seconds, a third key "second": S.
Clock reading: {"hour": 2, "minute": 43}
